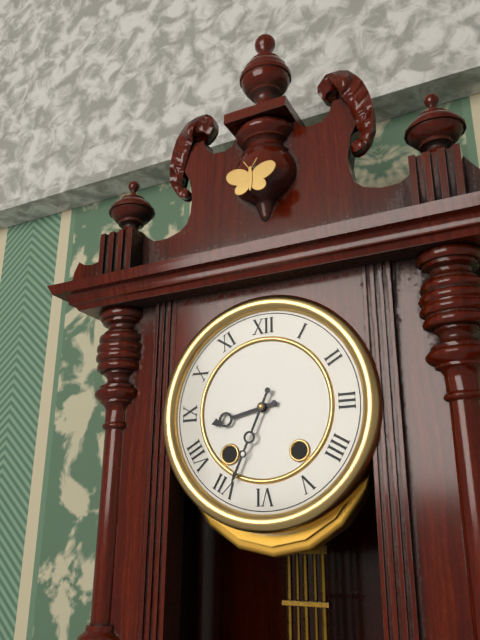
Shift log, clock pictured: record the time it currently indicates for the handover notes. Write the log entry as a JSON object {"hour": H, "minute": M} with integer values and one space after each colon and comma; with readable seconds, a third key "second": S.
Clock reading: {"hour": 8, "minute": 34}
